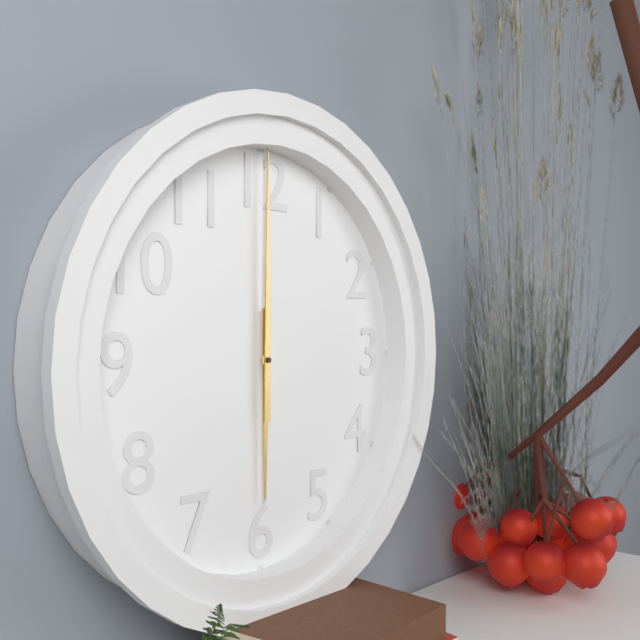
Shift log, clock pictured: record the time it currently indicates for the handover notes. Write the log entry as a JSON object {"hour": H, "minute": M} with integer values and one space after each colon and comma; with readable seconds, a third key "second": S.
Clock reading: {"hour": 6, "minute": 0}
